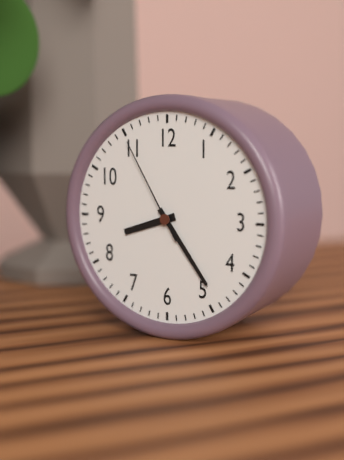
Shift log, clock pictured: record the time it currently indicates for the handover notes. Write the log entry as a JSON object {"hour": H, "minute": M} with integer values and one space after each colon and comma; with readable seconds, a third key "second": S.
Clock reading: {"hour": 8, "minute": 24, "second": 55}
